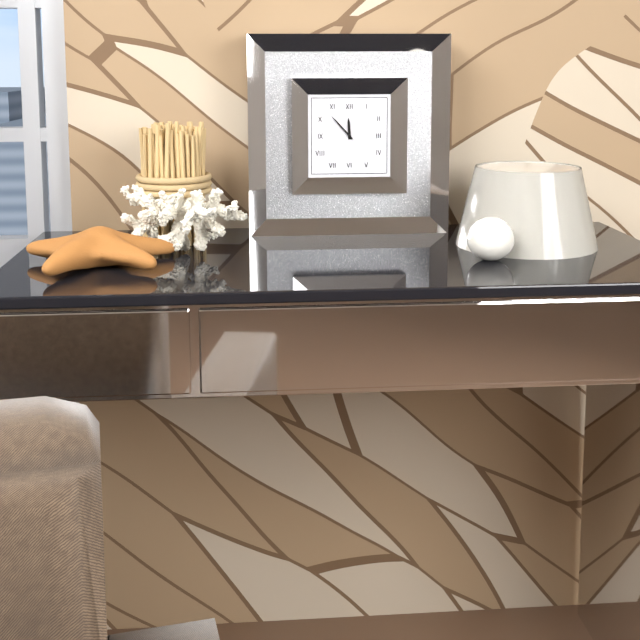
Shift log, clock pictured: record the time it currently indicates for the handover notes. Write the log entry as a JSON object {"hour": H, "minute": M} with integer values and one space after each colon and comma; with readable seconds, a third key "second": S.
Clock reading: {"hour": 11, "minute": 53}
